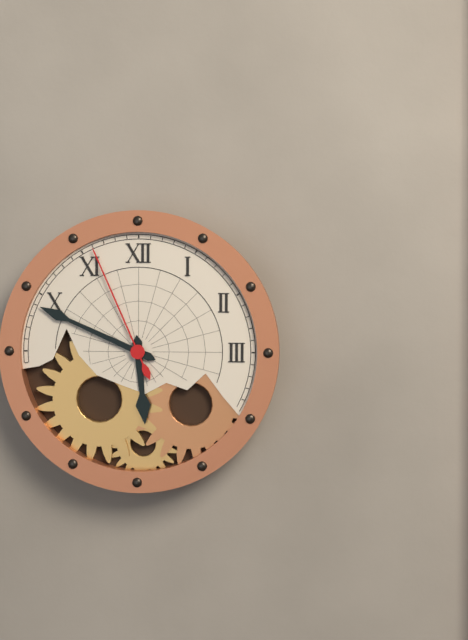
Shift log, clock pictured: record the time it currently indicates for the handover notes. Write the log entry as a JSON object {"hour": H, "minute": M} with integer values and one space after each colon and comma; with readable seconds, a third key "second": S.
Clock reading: {"hour": 5, "minute": 49, "second": 56}
